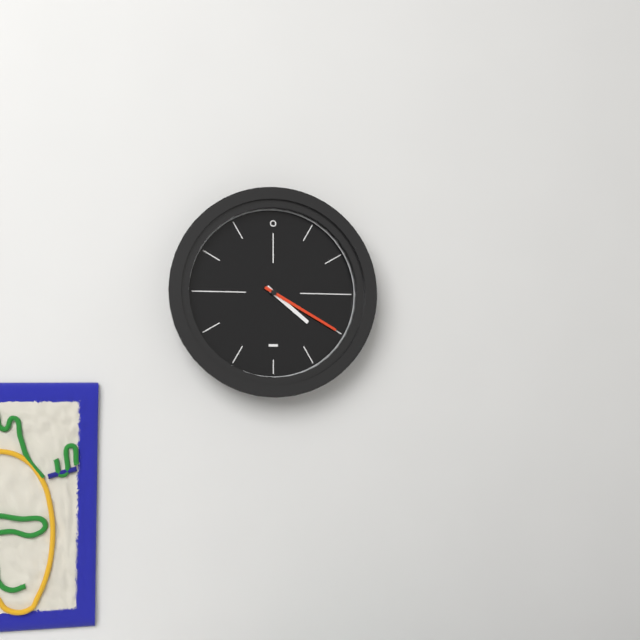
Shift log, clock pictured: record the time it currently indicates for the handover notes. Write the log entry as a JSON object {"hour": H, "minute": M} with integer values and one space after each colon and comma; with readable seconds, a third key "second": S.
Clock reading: {"hour": 4, "minute": 20}
